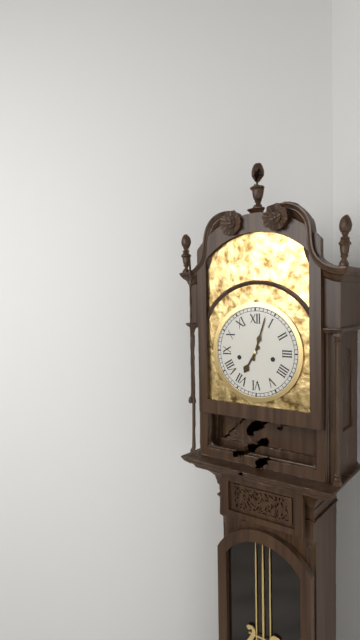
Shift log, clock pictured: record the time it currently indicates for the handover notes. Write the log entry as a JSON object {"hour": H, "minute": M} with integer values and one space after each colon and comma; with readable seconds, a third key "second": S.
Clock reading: {"hour": 7, "minute": 3}
